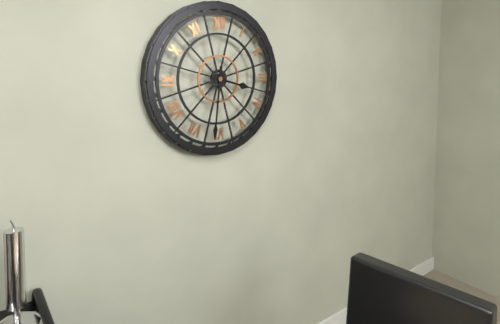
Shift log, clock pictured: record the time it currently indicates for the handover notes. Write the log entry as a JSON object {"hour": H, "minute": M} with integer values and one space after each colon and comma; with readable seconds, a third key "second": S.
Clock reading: {"hour": 3, "minute": 31}
